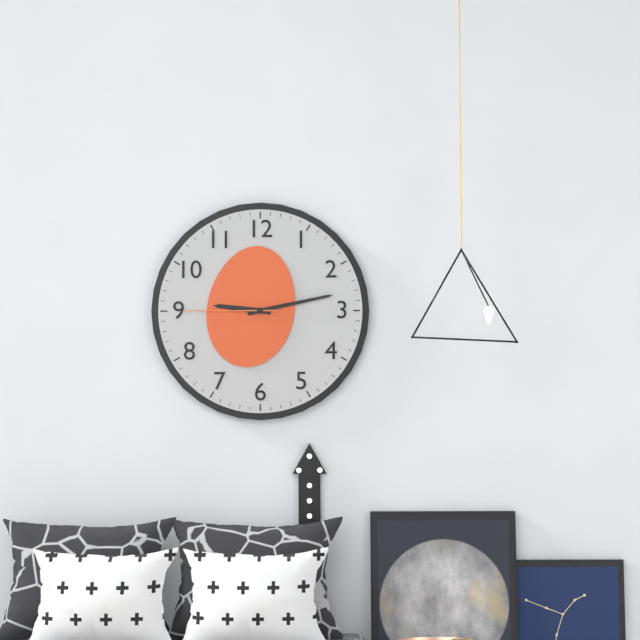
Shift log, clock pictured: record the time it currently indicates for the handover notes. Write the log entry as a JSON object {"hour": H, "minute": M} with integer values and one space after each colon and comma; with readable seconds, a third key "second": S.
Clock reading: {"hour": 9, "minute": 13, "second": 45}
